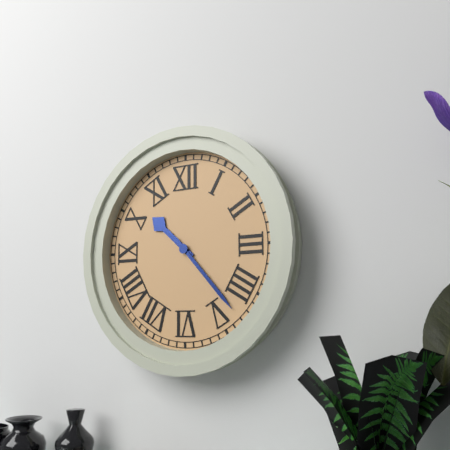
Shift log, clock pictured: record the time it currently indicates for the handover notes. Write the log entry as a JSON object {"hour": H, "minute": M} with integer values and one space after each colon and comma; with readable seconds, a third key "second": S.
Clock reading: {"hour": 10, "minute": 23}
